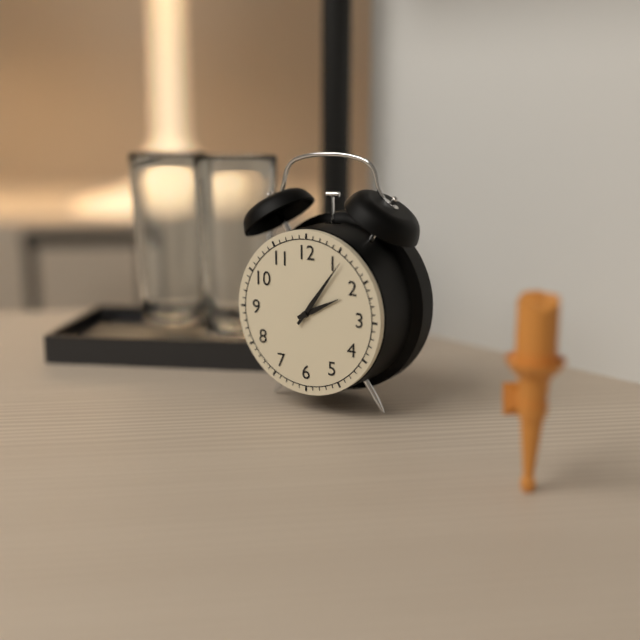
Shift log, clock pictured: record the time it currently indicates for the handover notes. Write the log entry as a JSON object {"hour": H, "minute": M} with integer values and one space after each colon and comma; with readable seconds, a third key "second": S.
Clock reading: {"hour": 2, "minute": 6}
